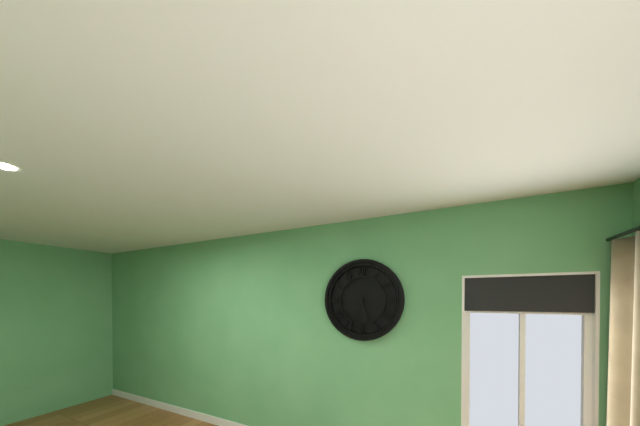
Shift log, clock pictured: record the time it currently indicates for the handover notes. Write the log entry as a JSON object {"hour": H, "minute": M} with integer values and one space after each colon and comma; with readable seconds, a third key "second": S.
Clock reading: {"hour": 5, "minute": 34}
